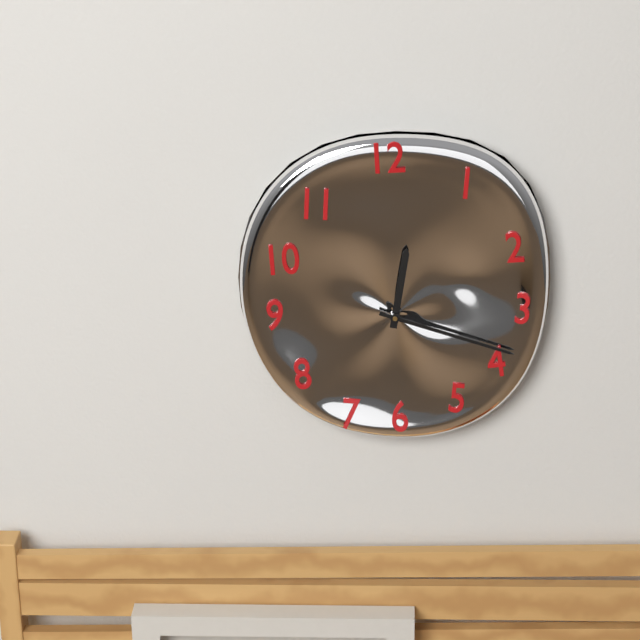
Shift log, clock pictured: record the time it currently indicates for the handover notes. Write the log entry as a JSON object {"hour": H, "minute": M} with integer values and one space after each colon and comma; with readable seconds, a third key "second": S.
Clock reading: {"hour": 12, "minute": 18}
